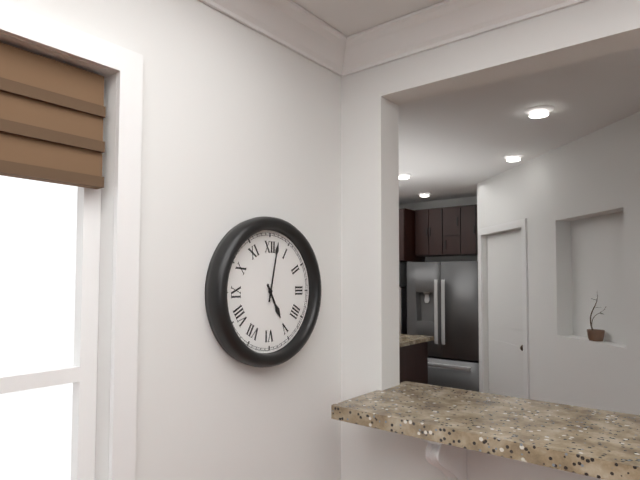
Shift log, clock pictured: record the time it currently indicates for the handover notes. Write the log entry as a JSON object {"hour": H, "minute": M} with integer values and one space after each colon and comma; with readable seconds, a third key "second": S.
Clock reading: {"hour": 5, "minute": 2}
